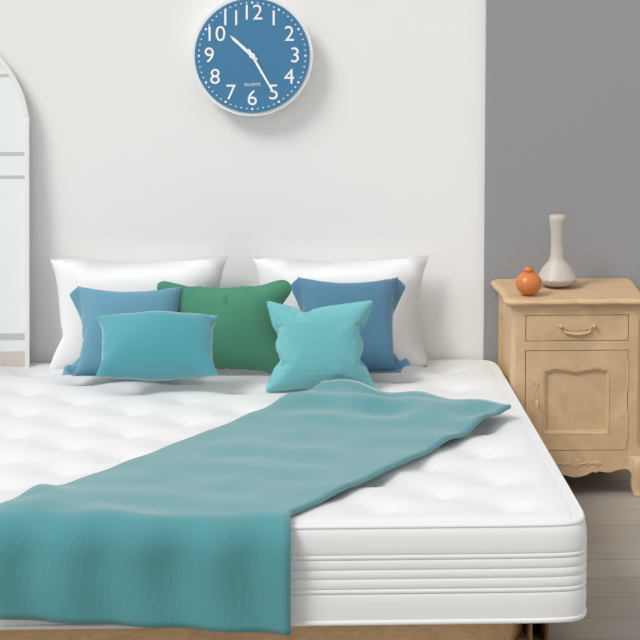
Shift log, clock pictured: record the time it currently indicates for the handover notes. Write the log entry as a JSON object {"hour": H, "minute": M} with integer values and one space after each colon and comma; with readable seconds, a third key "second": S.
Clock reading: {"hour": 10, "minute": 25}
